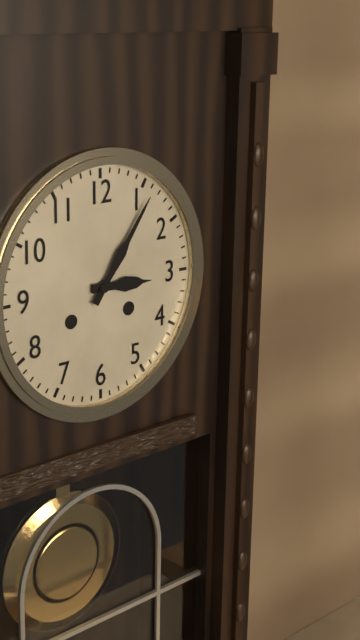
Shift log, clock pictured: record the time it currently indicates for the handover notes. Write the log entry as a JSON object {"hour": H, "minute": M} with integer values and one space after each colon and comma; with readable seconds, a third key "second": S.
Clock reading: {"hour": 3, "minute": 6}
